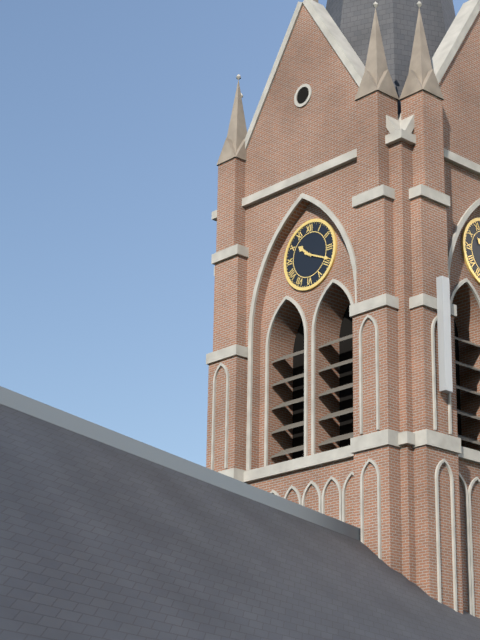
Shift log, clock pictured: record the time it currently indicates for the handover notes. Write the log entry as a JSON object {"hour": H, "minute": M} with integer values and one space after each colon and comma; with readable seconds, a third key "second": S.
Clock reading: {"hour": 10, "minute": 19}
